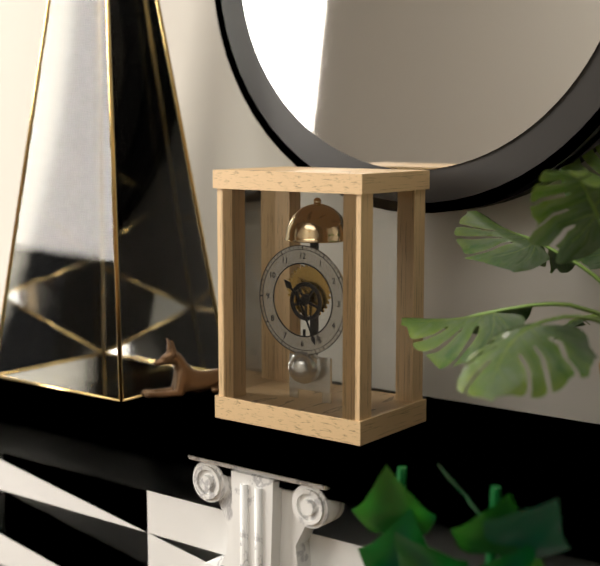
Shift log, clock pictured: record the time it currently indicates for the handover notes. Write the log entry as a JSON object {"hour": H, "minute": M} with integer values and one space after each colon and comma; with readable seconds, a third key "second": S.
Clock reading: {"hour": 10, "minute": 26}
